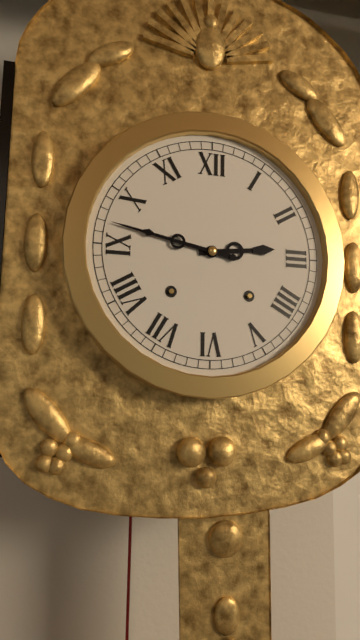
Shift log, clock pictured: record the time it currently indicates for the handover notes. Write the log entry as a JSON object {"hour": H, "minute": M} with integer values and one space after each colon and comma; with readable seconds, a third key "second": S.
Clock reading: {"hour": 2, "minute": 47}
